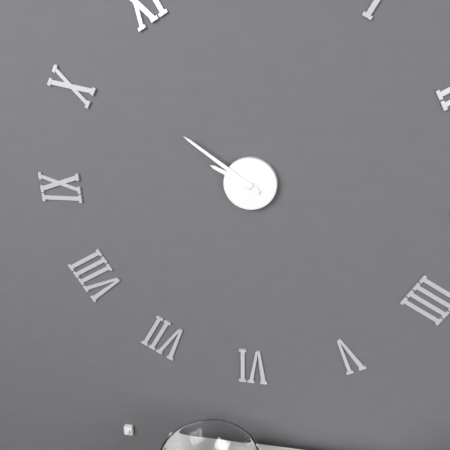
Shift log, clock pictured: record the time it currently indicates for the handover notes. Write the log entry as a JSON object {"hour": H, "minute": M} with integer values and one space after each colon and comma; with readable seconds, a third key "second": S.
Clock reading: {"hour": 9, "minute": 51}
